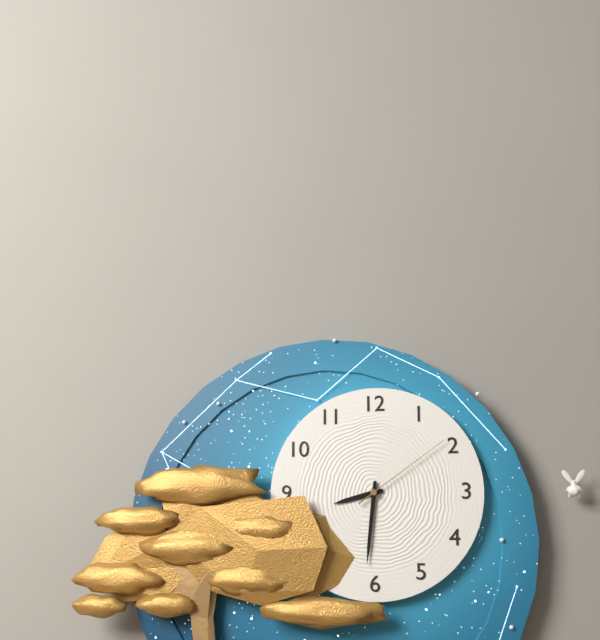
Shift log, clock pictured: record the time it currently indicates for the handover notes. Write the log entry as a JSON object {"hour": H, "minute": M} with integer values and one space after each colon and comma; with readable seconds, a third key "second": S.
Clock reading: {"hour": 8, "minute": 31, "second": 9}
